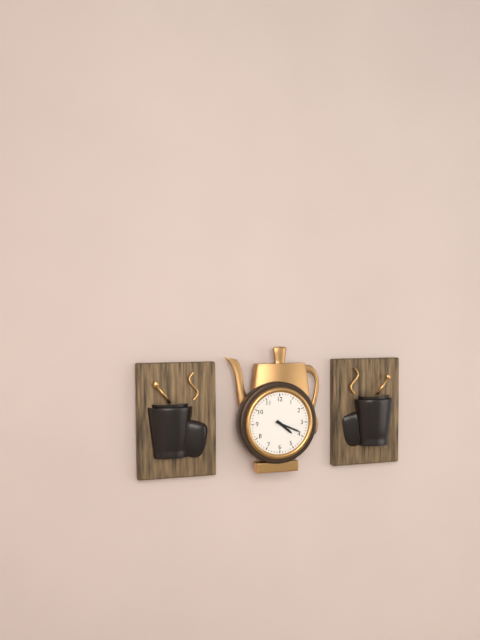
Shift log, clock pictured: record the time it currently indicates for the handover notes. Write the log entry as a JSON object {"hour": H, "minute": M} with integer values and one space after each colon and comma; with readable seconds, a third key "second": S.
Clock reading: {"hour": 4, "minute": 19}
